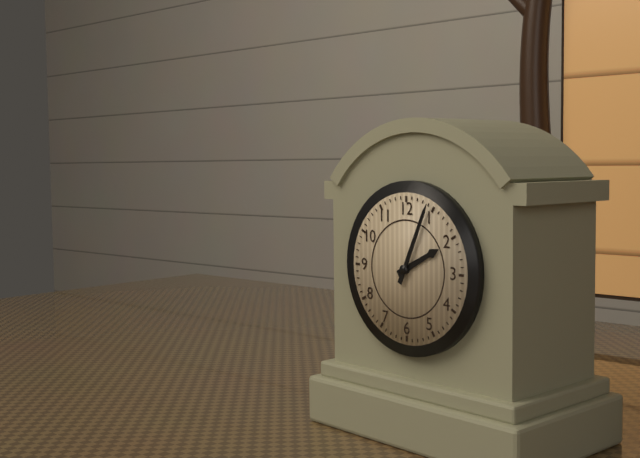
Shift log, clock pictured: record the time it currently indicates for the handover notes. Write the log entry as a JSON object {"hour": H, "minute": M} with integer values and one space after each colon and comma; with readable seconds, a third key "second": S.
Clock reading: {"hour": 2, "minute": 4}
